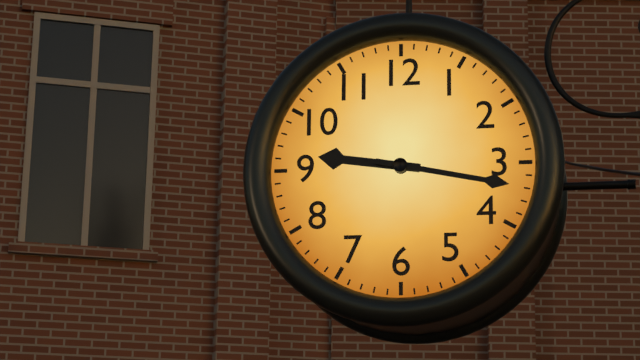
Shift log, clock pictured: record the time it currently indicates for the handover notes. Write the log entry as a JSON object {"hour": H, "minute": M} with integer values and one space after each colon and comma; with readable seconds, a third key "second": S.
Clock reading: {"hour": 9, "minute": 17}
